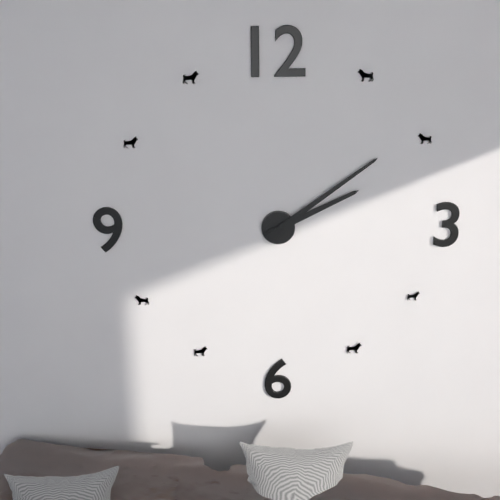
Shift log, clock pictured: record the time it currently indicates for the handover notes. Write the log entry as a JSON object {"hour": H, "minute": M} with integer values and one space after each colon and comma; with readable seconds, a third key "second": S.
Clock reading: {"hour": 2, "minute": 9}
